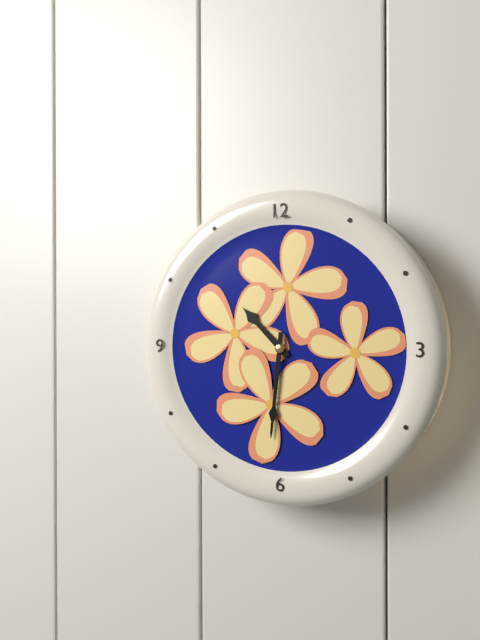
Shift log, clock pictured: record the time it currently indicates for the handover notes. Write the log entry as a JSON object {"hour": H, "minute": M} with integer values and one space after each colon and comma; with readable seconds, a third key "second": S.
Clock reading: {"hour": 10, "minute": 31}
